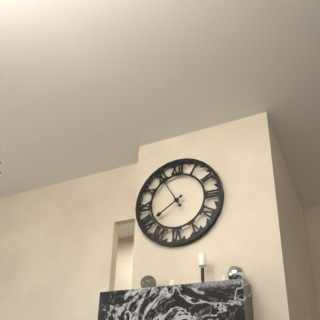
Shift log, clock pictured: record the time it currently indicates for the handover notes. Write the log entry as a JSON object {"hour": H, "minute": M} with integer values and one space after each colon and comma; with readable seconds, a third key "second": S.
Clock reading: {"hour": 7, "minute": 55}
